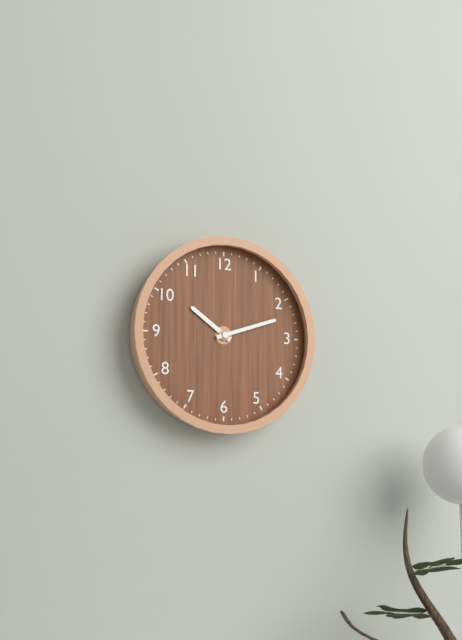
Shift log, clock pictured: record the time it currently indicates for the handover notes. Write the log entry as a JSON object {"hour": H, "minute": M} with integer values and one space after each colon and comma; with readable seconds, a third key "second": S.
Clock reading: {"hour": 10, "minute": 12}
